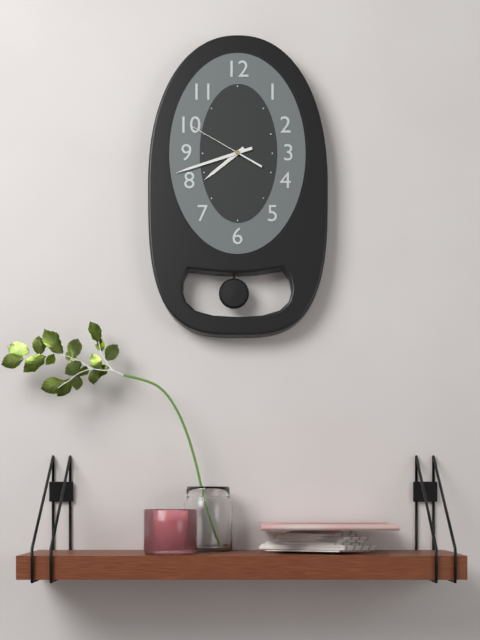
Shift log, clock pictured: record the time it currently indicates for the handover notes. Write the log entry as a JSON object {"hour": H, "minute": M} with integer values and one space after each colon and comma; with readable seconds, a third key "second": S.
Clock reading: {"hour": 7, "minute": 42, "second": 50}
